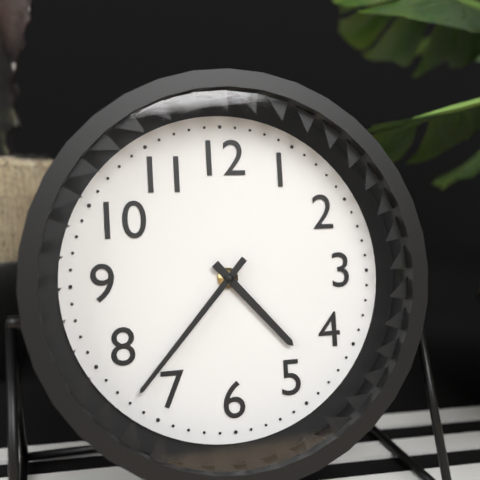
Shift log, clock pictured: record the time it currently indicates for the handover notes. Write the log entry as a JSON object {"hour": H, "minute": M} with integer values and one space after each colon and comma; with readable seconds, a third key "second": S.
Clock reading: {"hour": 4, "minute": 37}
